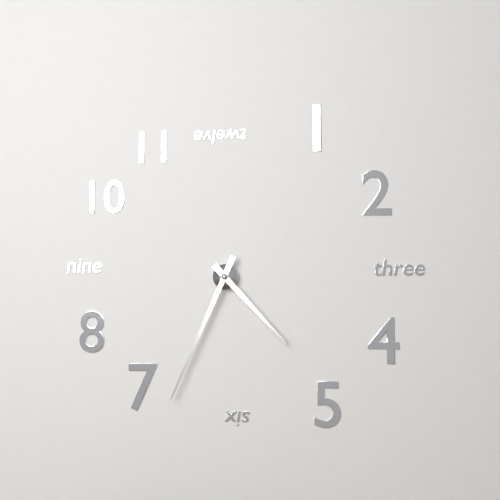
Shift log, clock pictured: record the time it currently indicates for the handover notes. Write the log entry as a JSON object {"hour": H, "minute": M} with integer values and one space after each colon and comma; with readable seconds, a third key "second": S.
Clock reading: {"hour": 4, "minute": 34}
